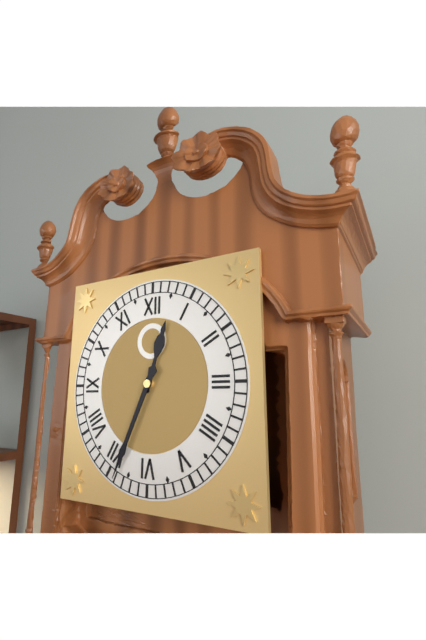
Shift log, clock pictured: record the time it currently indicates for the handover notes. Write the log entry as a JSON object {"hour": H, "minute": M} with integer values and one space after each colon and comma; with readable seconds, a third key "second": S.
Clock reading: {"hour": 12, "minute": 34}
